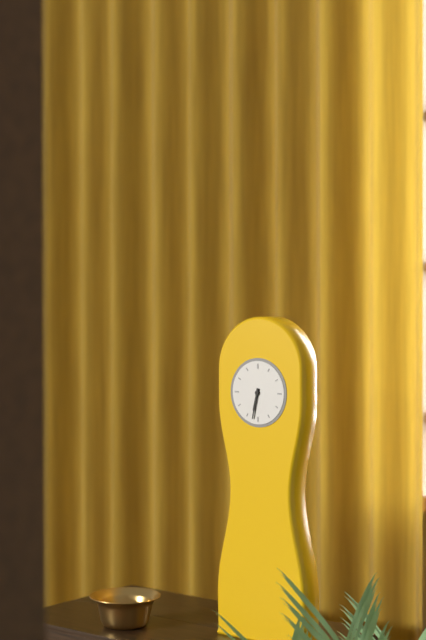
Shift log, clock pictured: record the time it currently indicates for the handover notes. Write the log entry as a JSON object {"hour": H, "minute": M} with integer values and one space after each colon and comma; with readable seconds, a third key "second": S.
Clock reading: {"hour": 6, "minute": 32}
